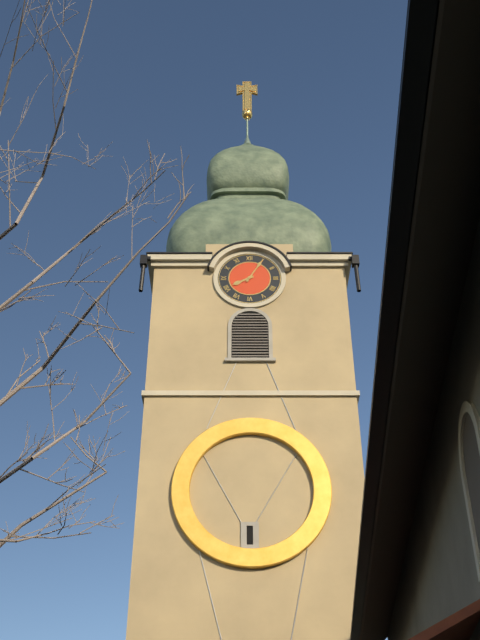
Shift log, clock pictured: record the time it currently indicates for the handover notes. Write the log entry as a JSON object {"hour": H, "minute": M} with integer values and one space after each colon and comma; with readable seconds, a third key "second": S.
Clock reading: {"hour": 8, "minute": 5}
